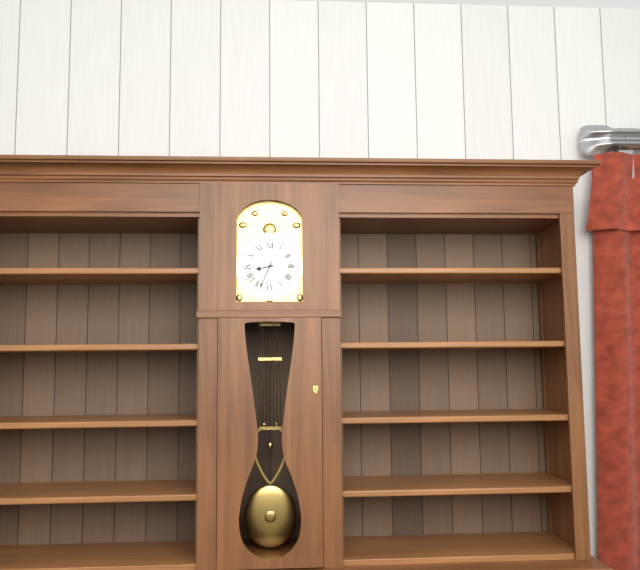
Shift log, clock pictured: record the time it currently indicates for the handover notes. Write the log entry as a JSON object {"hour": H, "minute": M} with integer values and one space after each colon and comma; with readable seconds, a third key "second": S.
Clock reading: {"hour": 8, "minute": 34}
